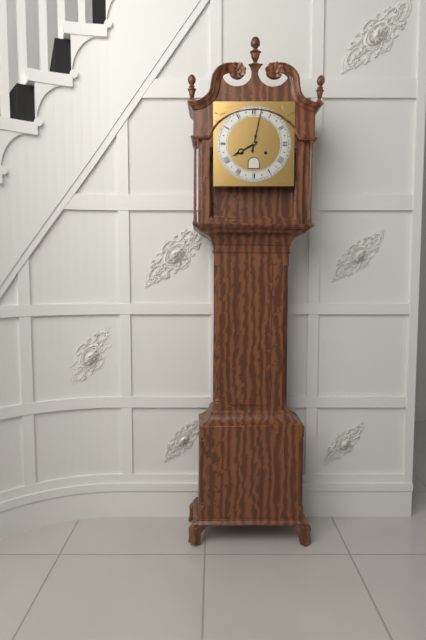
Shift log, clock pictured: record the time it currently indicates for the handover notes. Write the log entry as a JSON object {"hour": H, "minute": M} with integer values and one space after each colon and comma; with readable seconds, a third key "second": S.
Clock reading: {"hour": 8, "minute": 2}
